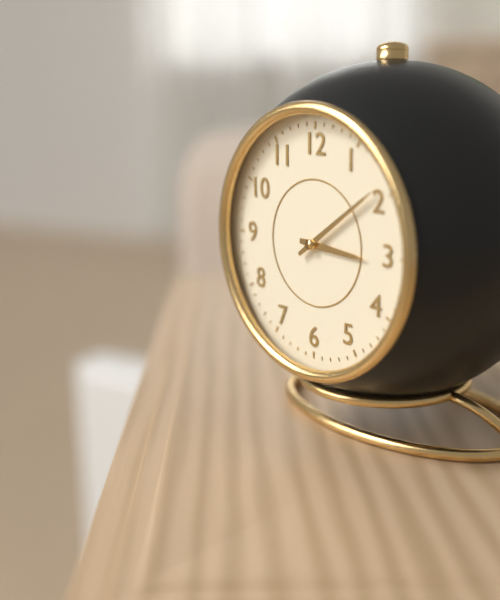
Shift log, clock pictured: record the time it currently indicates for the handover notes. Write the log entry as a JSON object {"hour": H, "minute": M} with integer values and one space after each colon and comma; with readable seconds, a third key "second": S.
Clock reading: {"hour": 3, "minute": 9}
